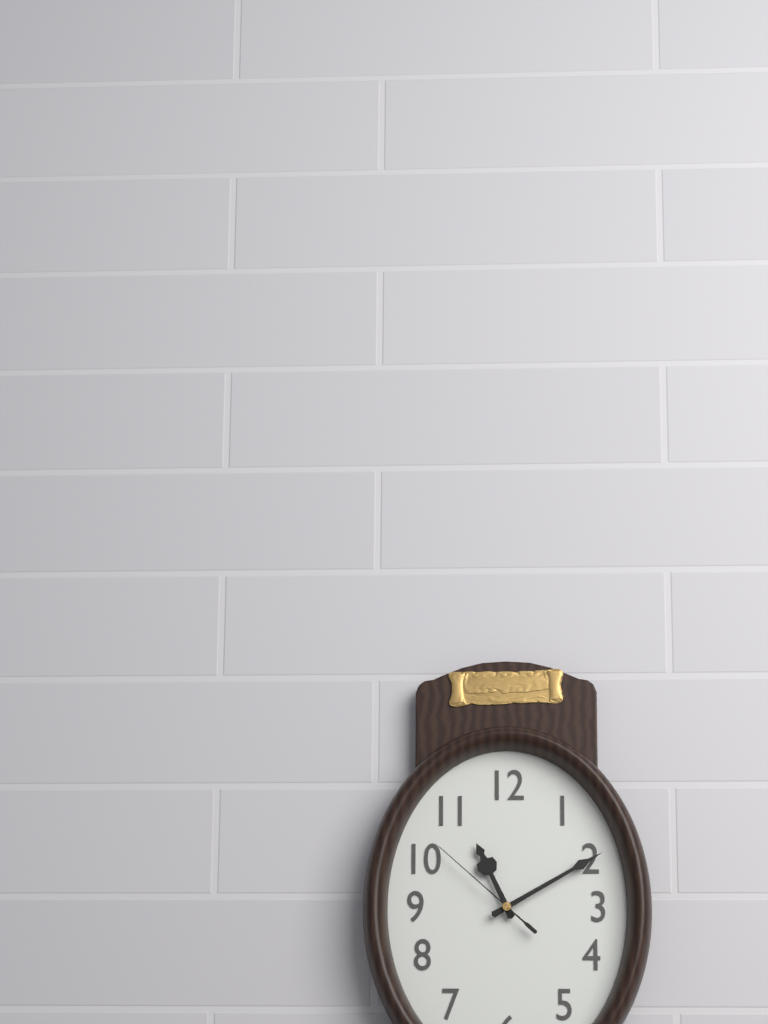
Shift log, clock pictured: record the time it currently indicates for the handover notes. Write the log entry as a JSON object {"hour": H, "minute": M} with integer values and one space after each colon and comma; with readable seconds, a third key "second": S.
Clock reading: {"hour": 11, "minute": 10, "second": 52}
